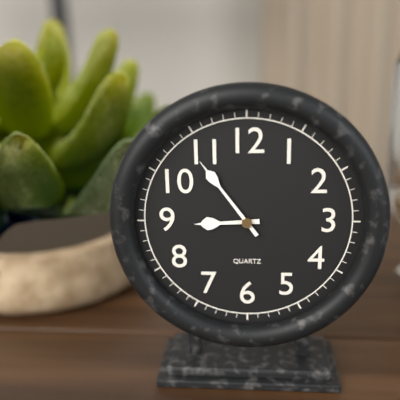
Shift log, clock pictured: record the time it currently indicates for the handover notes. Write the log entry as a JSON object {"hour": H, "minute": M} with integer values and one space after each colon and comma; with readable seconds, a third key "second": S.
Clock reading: {"hour": 8, "minute": 54}
